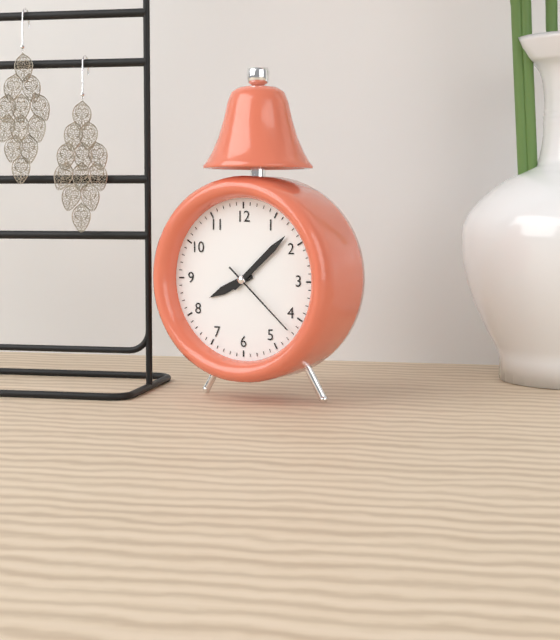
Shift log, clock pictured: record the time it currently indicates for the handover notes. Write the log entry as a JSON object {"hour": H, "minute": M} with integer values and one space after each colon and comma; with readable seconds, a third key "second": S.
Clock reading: {"hour": 8, "minute": 8, "second": 22}
